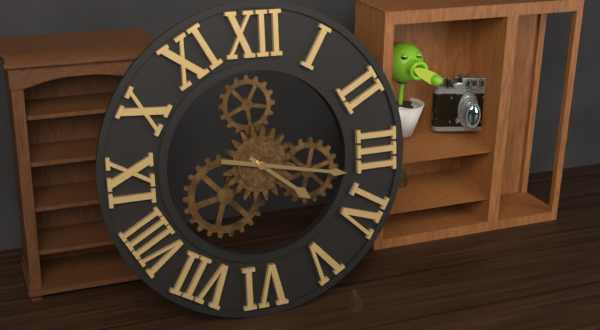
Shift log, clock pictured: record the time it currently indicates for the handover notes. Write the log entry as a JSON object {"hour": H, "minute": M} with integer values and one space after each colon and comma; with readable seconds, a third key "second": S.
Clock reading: {"hour": 4, "minute": 17}
